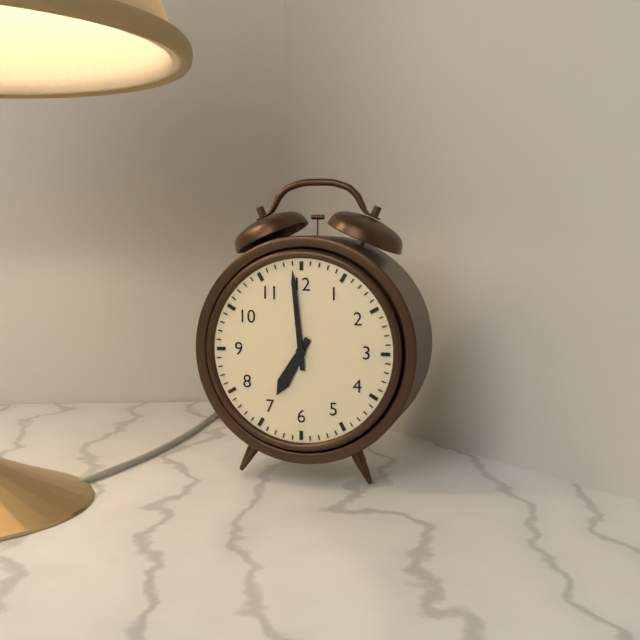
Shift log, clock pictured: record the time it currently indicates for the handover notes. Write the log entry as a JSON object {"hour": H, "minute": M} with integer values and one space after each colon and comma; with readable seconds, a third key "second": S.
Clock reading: {"hour": 6, "minute": 59}
